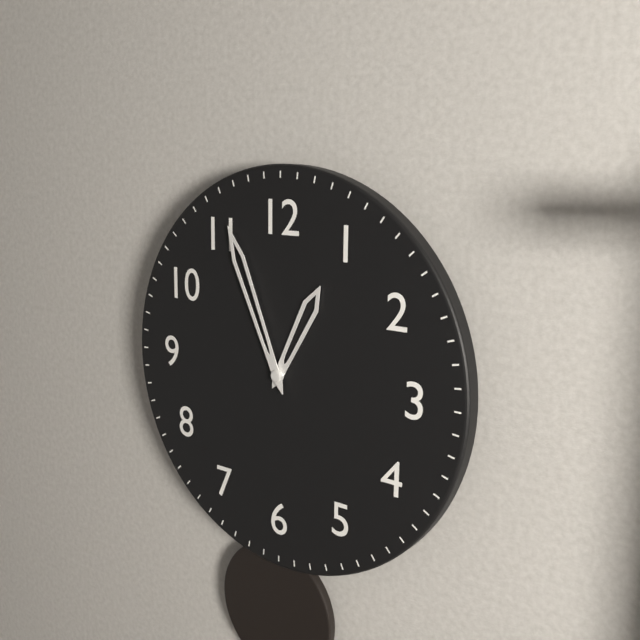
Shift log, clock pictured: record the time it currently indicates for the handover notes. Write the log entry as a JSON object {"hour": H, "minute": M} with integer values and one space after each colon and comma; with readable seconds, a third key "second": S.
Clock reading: {"hour": 12, "minute": 56}
